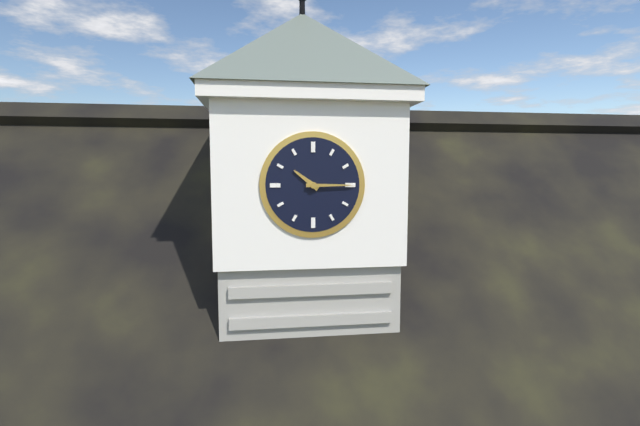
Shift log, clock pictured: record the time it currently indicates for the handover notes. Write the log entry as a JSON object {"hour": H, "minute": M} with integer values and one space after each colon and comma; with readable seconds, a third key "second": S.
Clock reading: {"hour": 10, "minute": 15}
